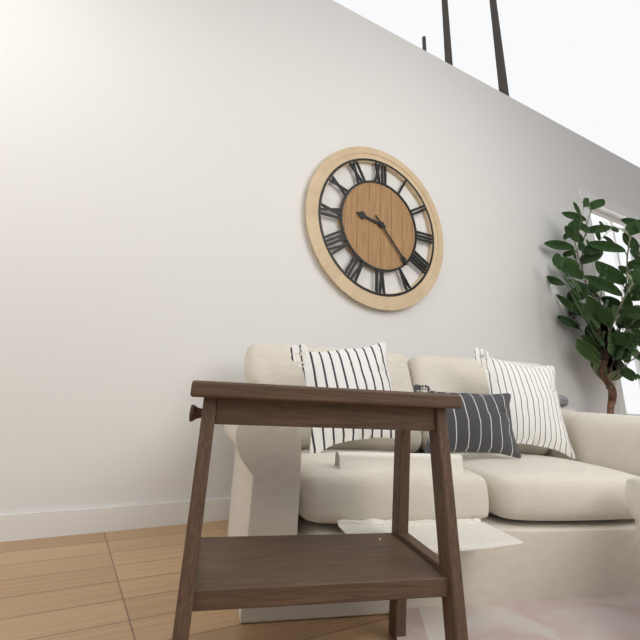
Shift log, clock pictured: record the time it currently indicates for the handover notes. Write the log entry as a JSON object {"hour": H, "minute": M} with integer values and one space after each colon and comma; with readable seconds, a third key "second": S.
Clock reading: {"hour": 9, "minute": 23}
